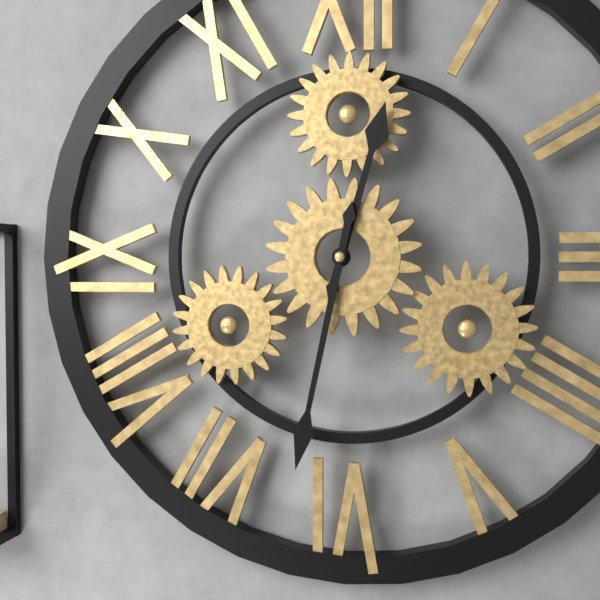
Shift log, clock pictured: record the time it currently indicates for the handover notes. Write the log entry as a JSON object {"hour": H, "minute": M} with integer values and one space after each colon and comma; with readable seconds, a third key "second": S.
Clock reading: {"hour": 12, "minute": 32}
